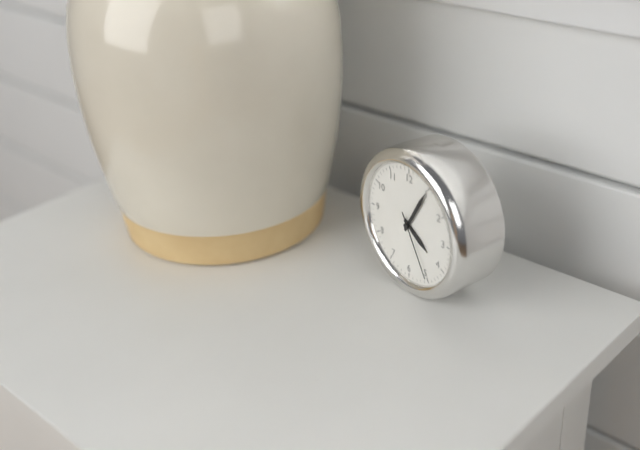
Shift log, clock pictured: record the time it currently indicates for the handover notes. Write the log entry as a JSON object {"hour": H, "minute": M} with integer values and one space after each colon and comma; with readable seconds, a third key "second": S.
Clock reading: {"hour": 4, "minute": 5, "second": 25}
